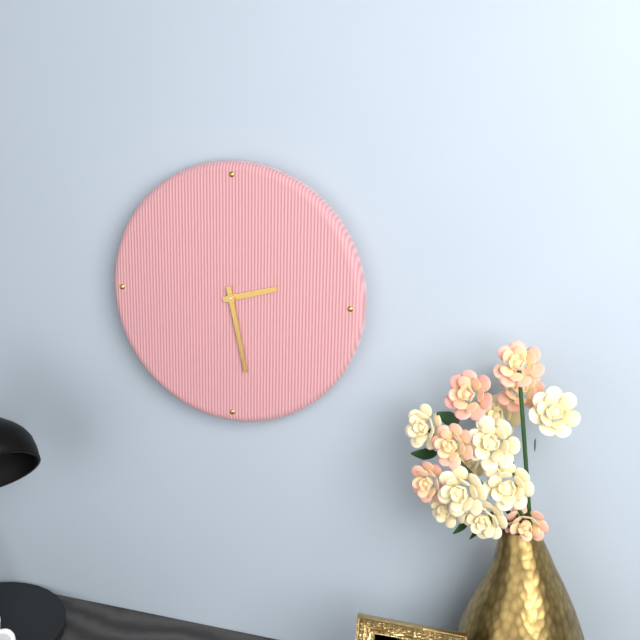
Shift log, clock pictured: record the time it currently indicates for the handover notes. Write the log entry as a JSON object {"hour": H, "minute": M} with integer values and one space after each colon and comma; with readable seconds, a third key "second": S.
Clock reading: {"hour": 2, "minute": 28}
